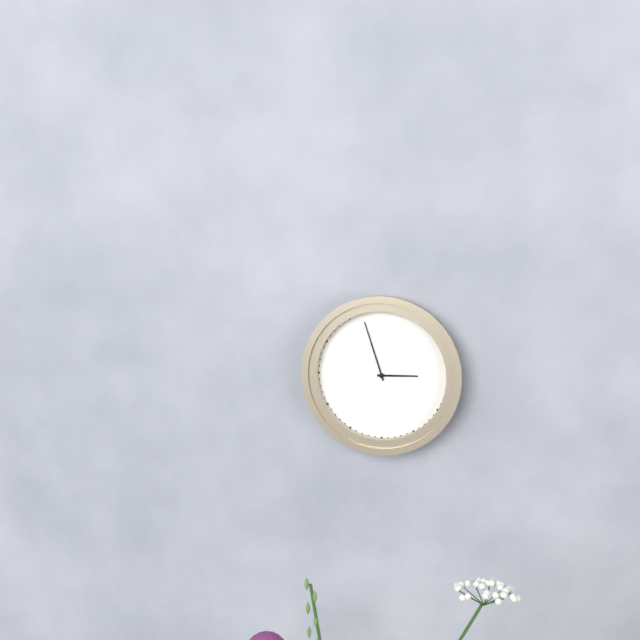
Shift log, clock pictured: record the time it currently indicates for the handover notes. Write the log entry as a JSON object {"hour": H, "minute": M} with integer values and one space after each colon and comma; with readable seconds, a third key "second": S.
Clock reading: {"hour": 2, "minute": 57}
